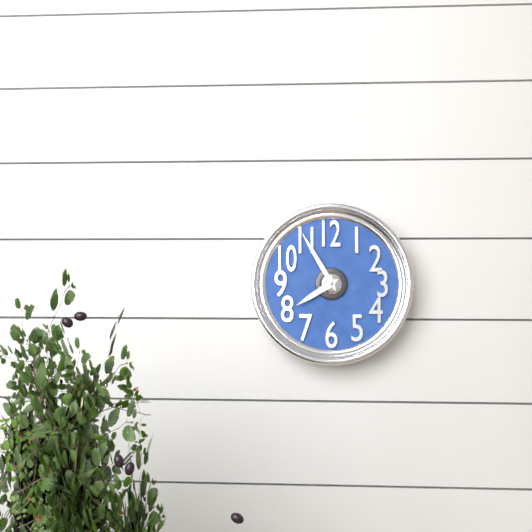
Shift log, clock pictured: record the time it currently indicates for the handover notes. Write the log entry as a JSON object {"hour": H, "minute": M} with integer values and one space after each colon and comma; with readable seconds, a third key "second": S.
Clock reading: {"hour": 7, "minute": 55}
